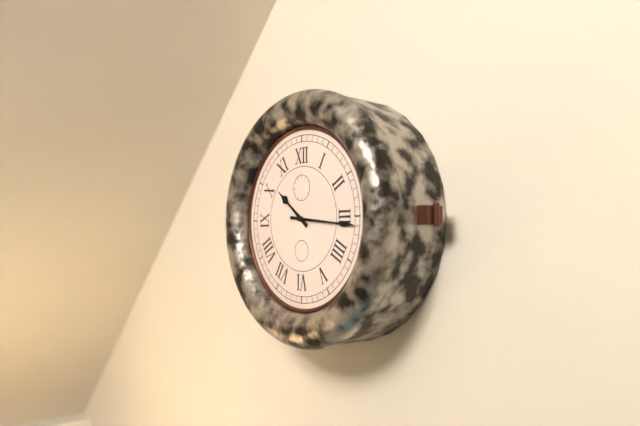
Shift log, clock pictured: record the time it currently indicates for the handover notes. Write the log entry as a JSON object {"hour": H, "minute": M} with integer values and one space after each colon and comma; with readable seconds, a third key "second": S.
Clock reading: {"hour": 10, "minute": 16}
